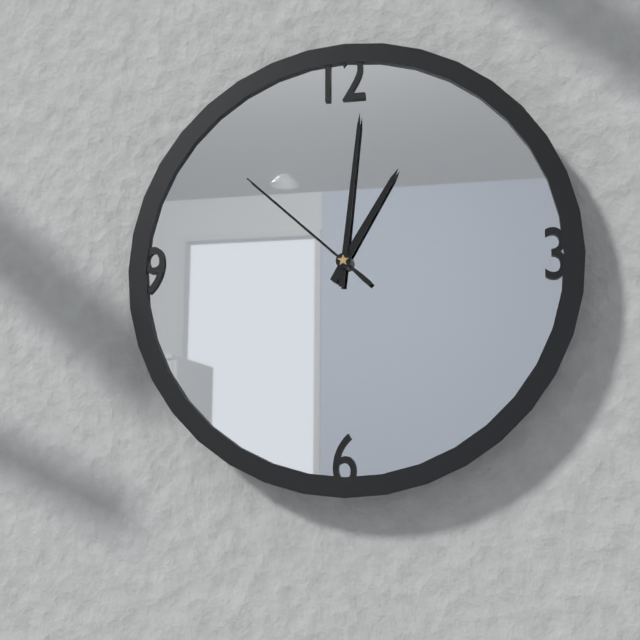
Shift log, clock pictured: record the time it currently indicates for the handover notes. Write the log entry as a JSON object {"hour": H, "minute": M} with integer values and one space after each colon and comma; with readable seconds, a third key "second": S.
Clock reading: {"hour": 1, "minute": 1, "second": 52}
